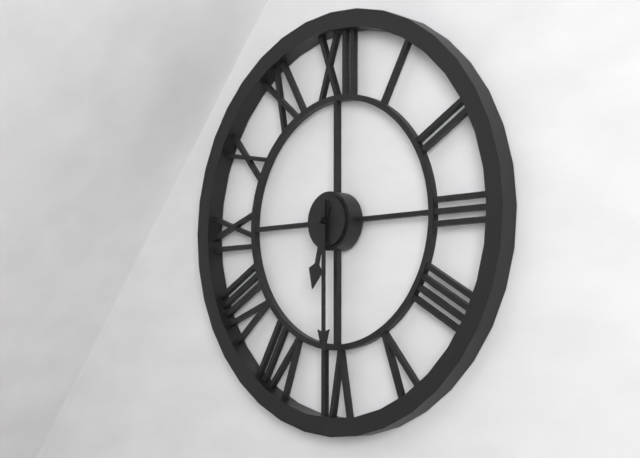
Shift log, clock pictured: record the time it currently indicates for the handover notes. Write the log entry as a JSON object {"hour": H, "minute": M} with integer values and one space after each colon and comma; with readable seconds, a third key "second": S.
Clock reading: {"hour": 6, "minute": 30}
